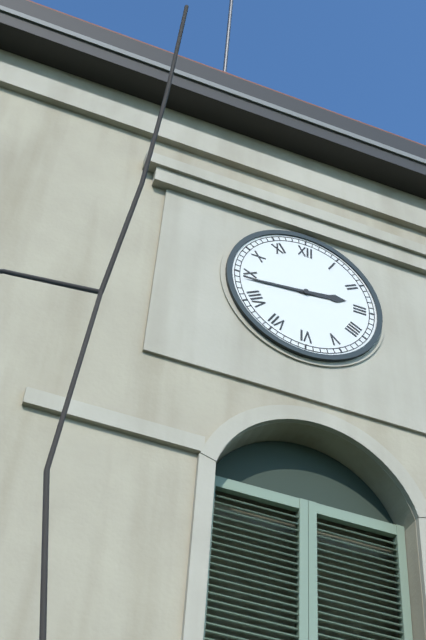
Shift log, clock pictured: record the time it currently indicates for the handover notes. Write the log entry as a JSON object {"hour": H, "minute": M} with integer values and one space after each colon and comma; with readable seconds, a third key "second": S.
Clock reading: {"hour": 2, "minute": 44}
